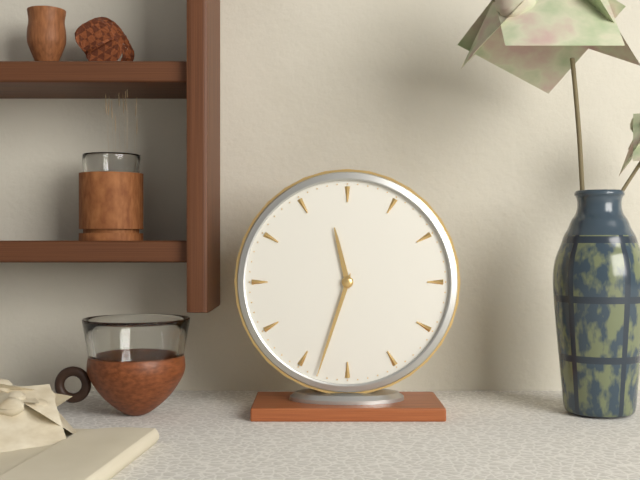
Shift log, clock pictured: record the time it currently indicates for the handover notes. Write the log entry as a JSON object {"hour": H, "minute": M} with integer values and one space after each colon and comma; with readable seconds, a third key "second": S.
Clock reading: {"hour": 11, "minute": 33}
